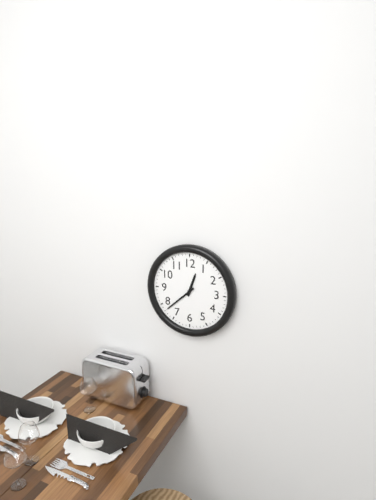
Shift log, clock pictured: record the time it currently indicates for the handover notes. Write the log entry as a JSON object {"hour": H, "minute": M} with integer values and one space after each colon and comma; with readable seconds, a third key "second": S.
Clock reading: {"hour": 12, "minute": 38}
